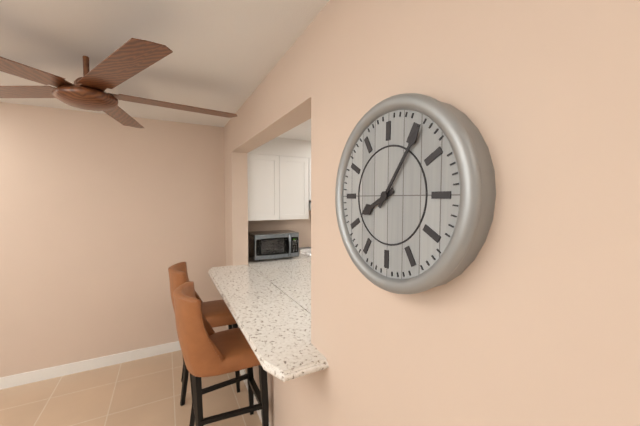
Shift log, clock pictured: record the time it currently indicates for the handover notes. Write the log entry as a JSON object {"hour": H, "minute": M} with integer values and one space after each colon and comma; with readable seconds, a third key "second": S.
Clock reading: {"hour": 8, "minute": 6}
